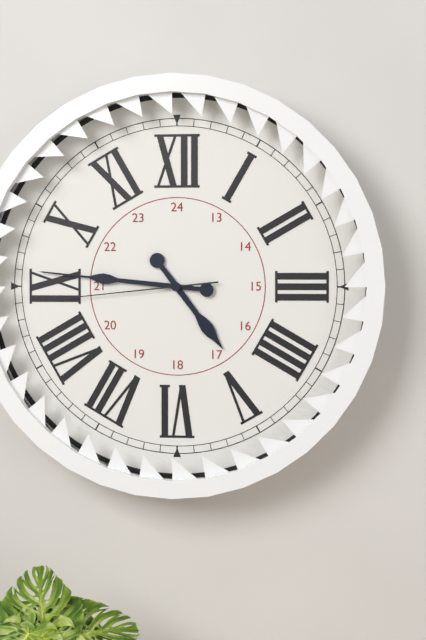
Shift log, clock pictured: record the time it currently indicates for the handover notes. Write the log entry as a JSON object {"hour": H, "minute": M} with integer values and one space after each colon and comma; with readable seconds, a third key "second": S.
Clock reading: {"hour": 4, "minute": 46, "second": 44}
